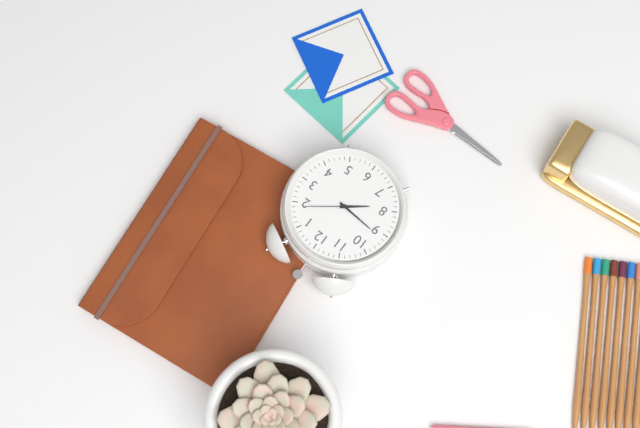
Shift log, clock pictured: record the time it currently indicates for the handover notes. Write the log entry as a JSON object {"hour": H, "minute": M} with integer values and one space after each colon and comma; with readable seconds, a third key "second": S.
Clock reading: {"hour": 7, "minute": 46, "second": 9}
